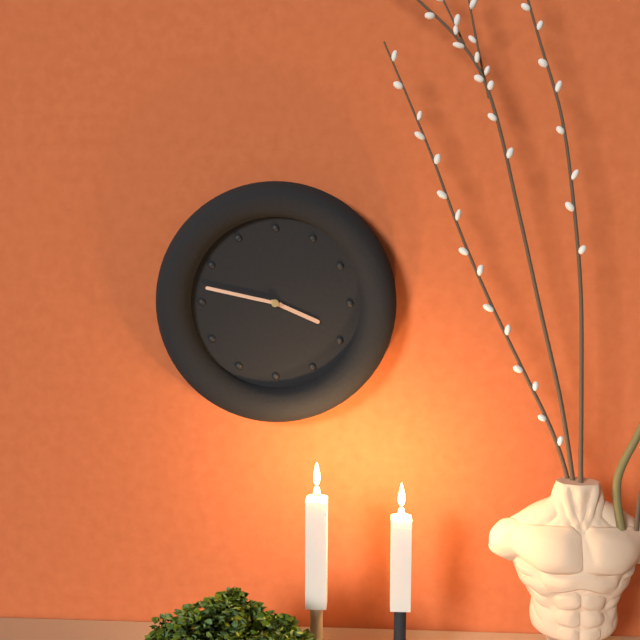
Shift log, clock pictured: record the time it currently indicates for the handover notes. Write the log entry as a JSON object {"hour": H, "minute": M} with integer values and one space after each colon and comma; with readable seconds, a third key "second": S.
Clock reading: {"hour": 3, "minute": 47}
